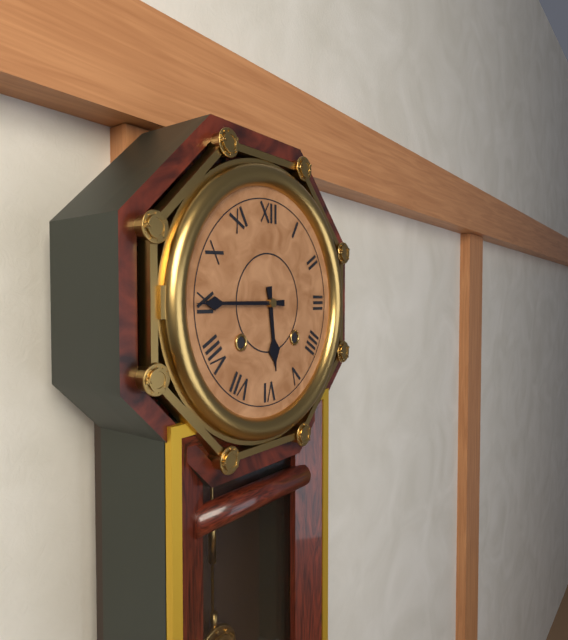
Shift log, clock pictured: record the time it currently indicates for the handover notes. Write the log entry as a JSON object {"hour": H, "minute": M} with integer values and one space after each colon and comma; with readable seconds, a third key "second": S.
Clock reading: {"hour": 5, "minute": 45}
